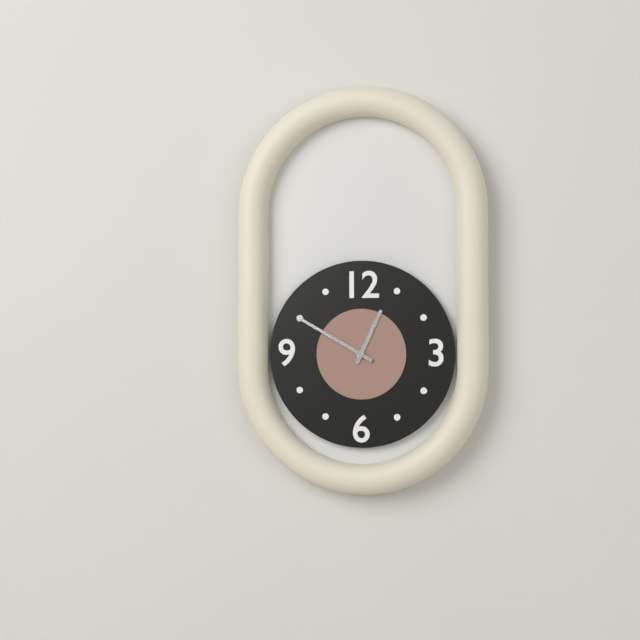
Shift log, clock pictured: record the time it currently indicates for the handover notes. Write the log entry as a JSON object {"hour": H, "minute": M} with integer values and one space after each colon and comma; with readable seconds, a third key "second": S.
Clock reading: {"hour": 12, "minute": 50}
